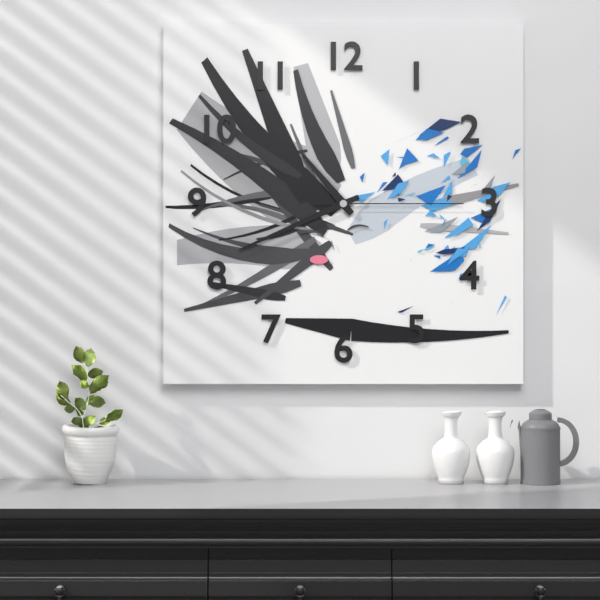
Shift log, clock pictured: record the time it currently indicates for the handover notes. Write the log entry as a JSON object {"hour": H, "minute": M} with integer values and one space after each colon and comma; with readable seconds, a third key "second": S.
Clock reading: {"hour": 10, "minute": 41, "second": 15}
